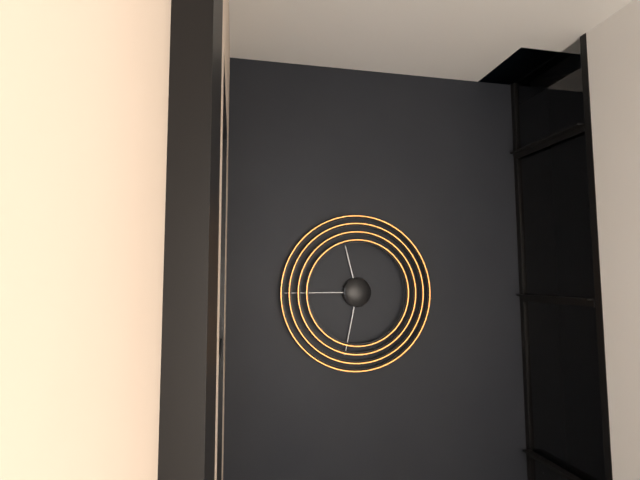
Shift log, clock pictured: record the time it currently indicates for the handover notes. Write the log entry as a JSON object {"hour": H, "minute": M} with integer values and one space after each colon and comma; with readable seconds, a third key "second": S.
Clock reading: {"hour": 11, "minute": 32, "second": 45}
